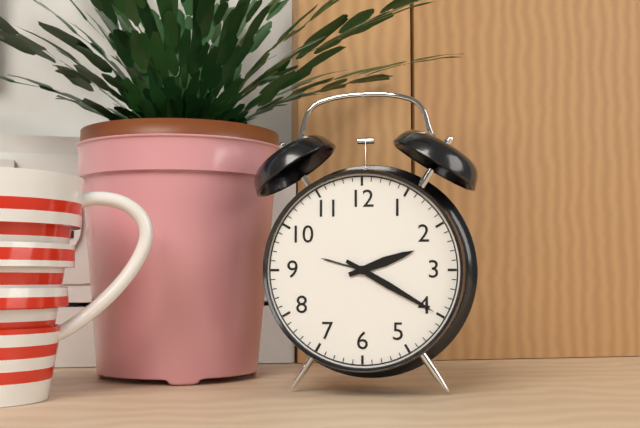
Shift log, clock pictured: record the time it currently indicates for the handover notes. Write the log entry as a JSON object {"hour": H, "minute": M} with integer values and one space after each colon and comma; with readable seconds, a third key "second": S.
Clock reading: {"hour": 2, "minute": 20}
